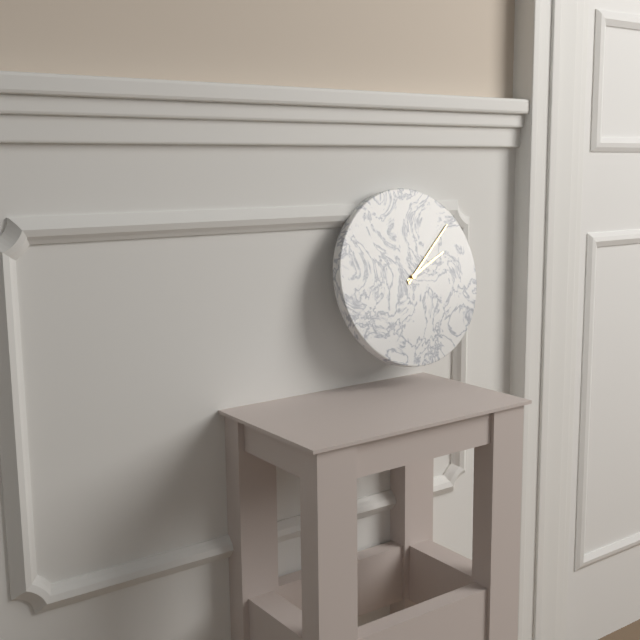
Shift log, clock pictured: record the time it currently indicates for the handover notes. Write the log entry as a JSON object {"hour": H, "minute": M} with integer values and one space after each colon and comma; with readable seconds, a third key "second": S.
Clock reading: {"hour": 2, "minute": 8}
